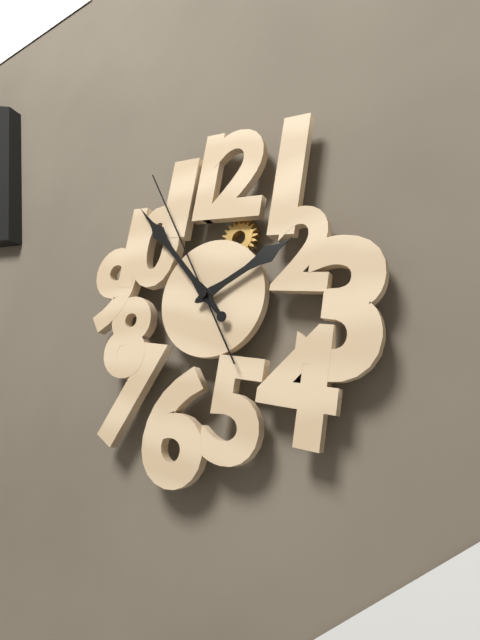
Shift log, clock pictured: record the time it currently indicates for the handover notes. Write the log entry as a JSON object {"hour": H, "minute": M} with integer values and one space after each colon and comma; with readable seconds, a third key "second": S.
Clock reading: {"hour": 1, "minute": 52, "second": 54}
